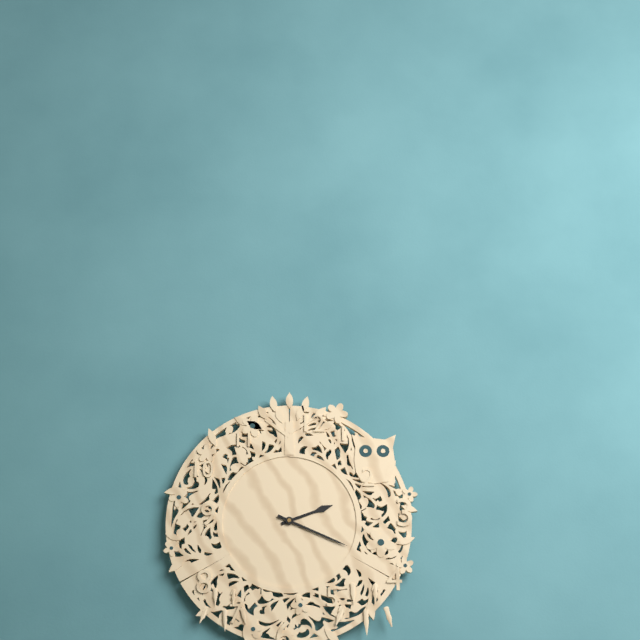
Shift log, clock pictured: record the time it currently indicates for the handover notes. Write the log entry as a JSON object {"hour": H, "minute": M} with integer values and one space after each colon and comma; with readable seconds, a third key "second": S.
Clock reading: {"hour": 2, "minute": 19}
